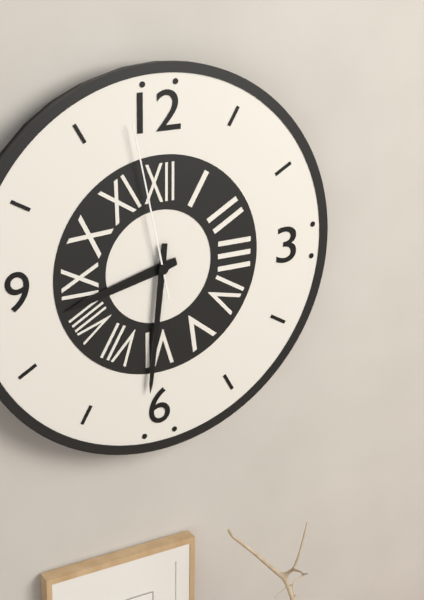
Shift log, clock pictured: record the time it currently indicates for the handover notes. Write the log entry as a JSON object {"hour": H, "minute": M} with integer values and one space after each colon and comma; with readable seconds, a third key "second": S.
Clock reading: {"hour": 8, "minute": 31, "second": 58}
